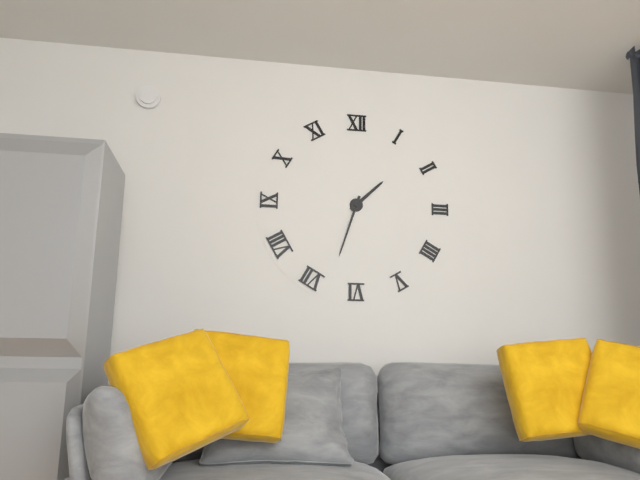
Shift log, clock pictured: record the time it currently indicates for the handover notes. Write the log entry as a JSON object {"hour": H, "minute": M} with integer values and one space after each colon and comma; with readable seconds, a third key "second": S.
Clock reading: {"hour": 1, "minute": 33}
